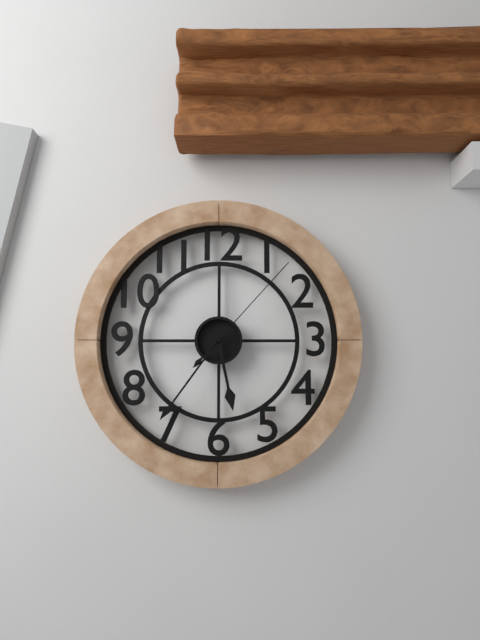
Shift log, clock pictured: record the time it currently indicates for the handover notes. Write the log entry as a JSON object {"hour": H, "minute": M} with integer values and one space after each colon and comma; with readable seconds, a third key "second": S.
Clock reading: {"hour": 5, "minute": 36, "second": 7}
